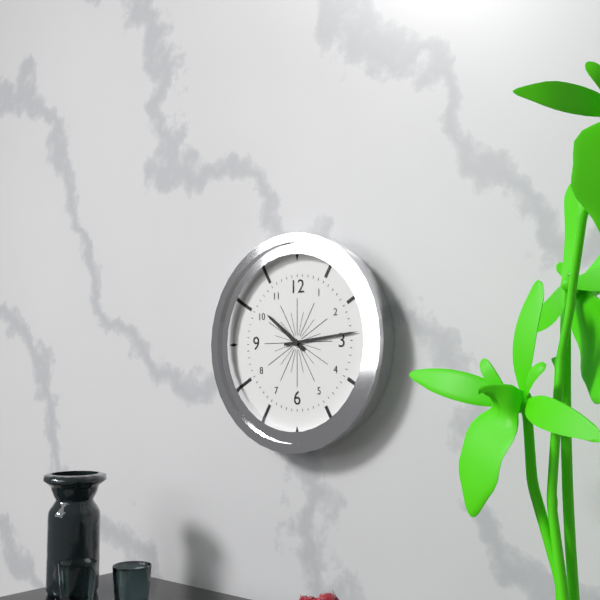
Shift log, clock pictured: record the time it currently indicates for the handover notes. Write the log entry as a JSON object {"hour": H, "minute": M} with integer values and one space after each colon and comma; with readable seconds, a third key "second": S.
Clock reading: {"hour": 10, "minute": 14}
